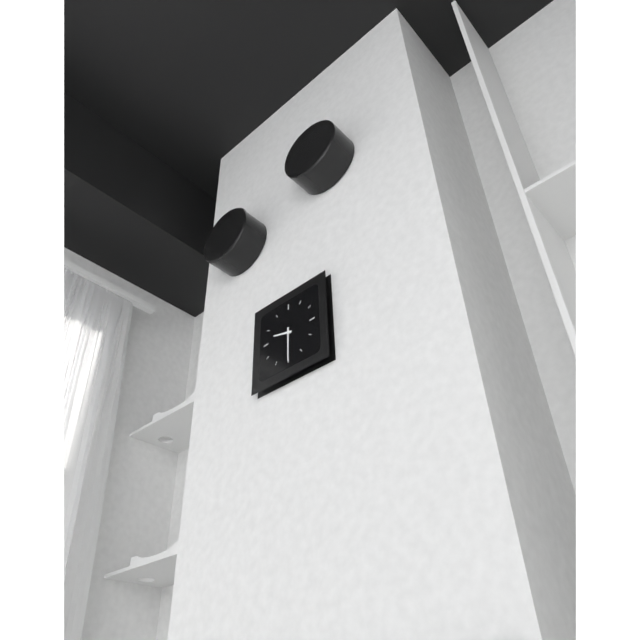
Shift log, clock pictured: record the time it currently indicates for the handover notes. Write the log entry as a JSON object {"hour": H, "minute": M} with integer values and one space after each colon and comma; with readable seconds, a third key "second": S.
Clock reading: {"hour": 9, "minute": 30}
